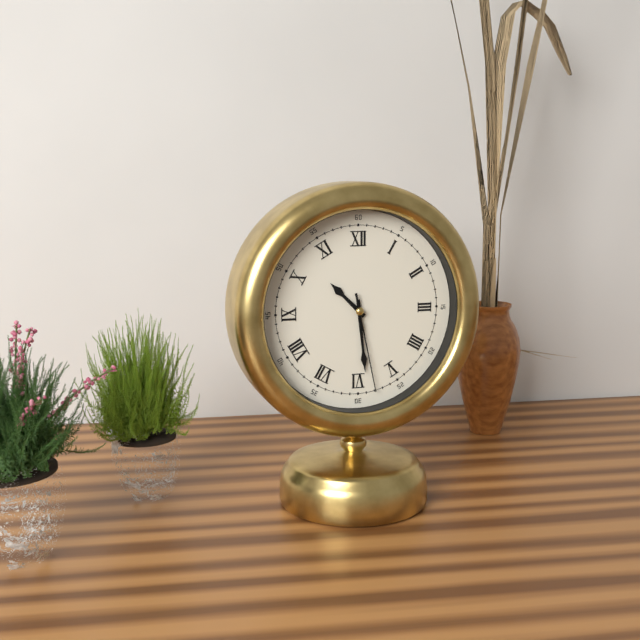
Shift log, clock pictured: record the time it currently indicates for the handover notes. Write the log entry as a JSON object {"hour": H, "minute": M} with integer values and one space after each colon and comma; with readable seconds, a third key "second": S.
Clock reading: {"hour": 10, "minute": 29, "second": 28}
